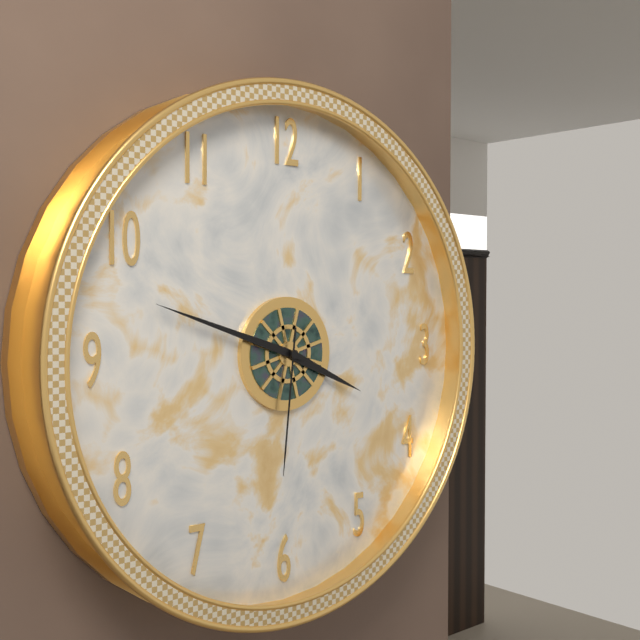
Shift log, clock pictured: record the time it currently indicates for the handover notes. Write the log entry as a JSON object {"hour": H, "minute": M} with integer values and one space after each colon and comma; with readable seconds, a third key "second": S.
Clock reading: {"hour": 3, "minute": 48, "second": 31}
